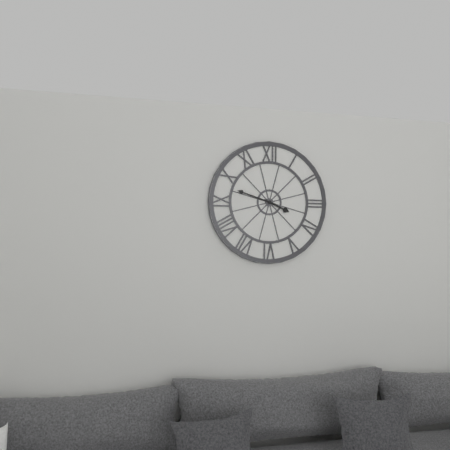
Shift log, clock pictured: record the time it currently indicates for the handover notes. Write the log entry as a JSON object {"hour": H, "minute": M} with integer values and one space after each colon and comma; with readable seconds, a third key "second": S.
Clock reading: {"hour": 3, "minute": 48}
